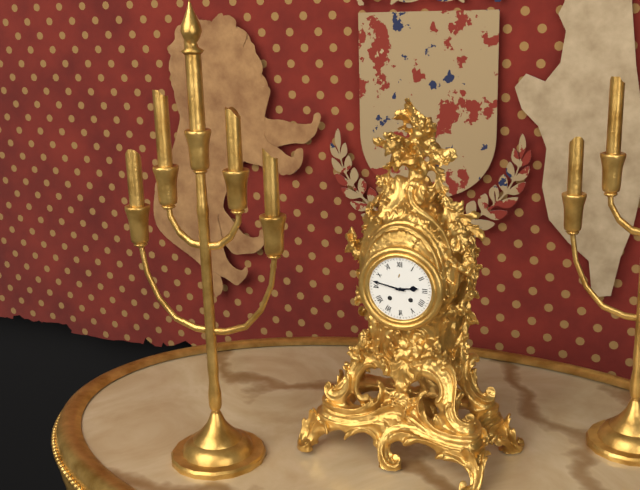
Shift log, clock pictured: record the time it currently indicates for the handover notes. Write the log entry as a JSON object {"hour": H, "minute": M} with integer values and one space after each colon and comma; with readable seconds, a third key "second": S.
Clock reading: {"hour": 2, "minute": 47}
